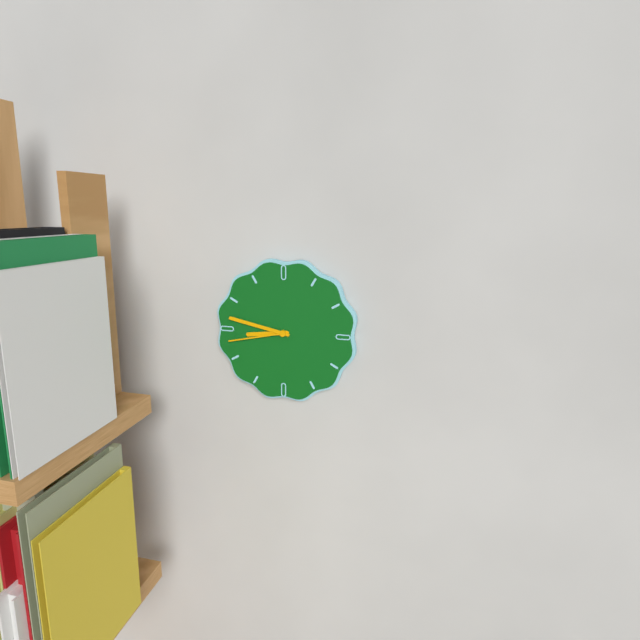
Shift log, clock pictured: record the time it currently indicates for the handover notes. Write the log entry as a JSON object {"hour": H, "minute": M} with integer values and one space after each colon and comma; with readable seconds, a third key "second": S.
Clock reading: {"hour": 8, "minute": 47, "second": 43}
